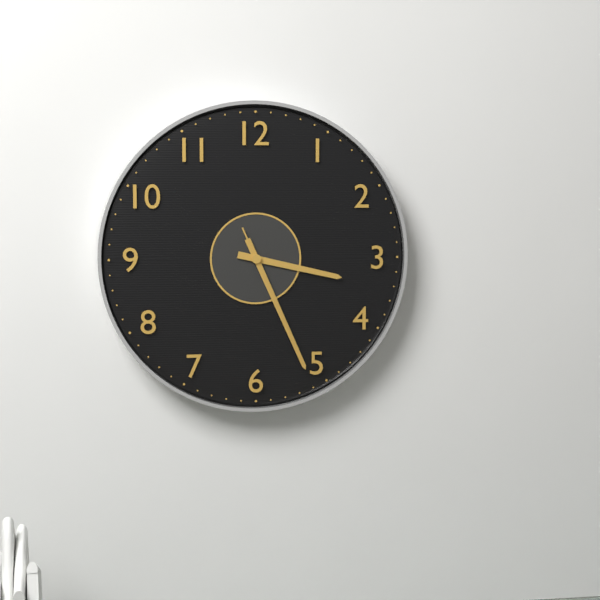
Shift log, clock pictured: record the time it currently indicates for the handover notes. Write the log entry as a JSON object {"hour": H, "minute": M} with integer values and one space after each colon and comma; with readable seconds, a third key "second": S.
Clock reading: {"hour": 3, "minute": 26, "second": 26}
